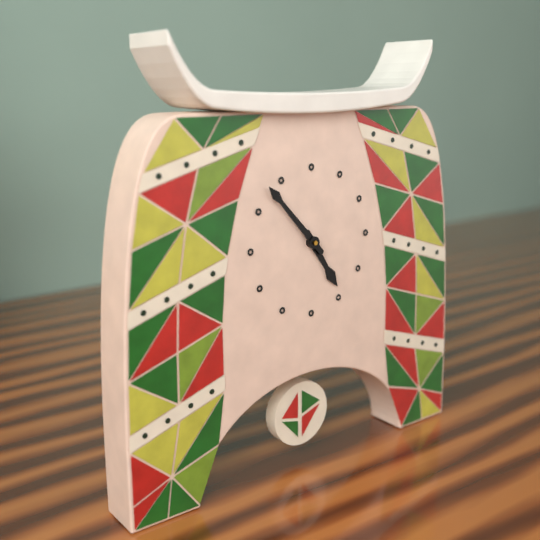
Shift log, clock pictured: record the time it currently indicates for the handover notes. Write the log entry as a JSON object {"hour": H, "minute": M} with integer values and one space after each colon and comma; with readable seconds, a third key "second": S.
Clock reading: {"hour": 4, "minute": 53}
